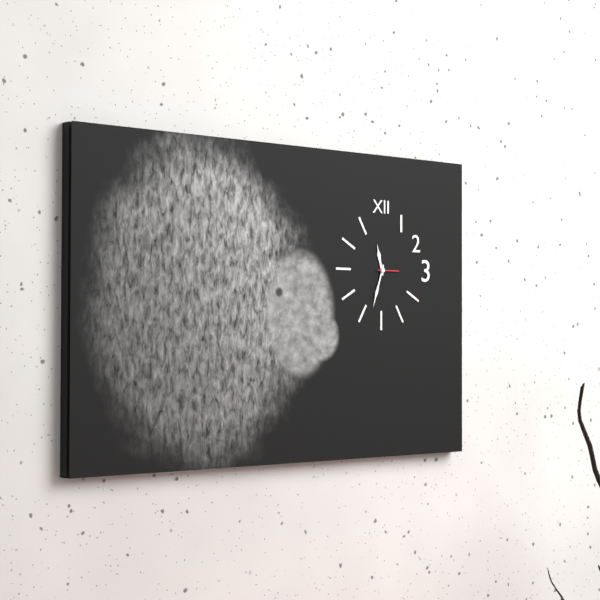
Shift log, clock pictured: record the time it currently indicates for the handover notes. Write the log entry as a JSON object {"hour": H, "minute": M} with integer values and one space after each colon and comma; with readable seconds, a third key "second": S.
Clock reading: {"hour": 11, "minute": 33}
